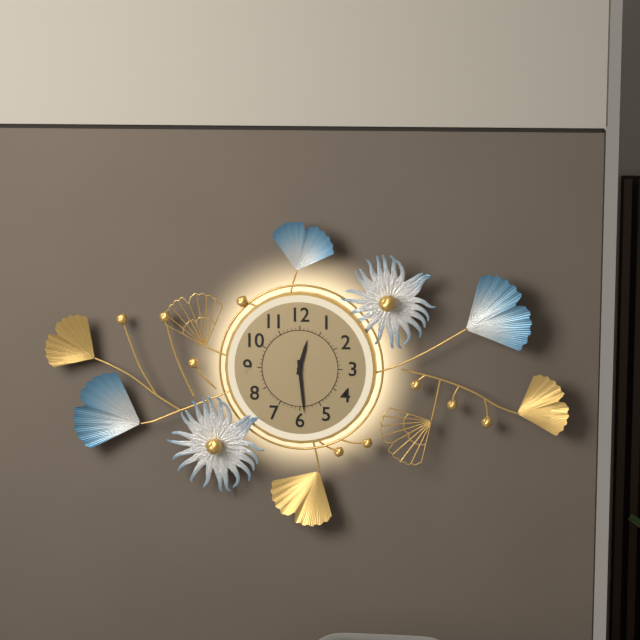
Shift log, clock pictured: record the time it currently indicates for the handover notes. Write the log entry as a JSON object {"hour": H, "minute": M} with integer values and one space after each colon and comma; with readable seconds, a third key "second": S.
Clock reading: {"hour": 12, "minute": 29}
